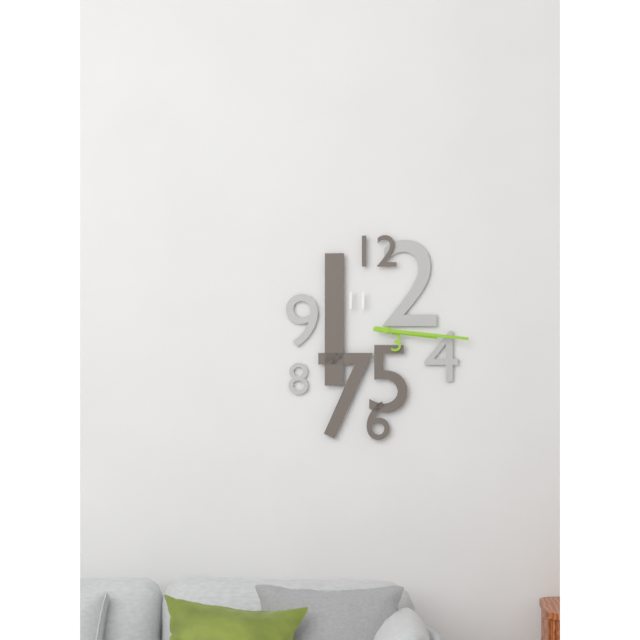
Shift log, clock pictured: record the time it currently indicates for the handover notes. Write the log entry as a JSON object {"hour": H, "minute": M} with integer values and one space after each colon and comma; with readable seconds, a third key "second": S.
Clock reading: {"hour": 3, "minute": 16}
